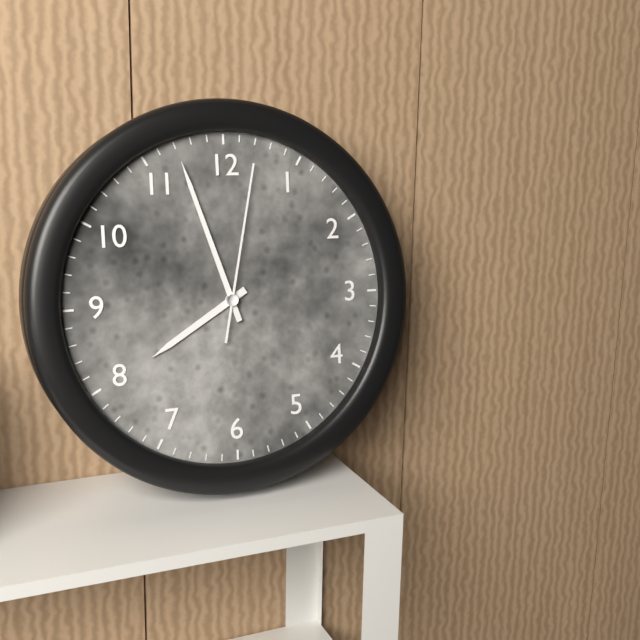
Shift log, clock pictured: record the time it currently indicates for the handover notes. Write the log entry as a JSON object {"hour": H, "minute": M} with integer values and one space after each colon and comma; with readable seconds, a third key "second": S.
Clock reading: {"hour": 7, "minute": 57, "second": 2}
